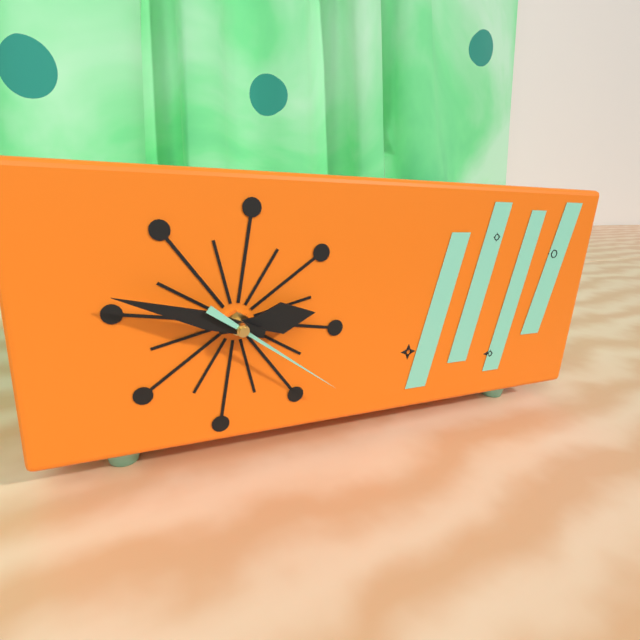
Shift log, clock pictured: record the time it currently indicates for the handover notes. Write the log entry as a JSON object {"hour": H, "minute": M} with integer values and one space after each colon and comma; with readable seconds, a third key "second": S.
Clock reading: {"hour": 2, "minute": 48, "second": 21}
